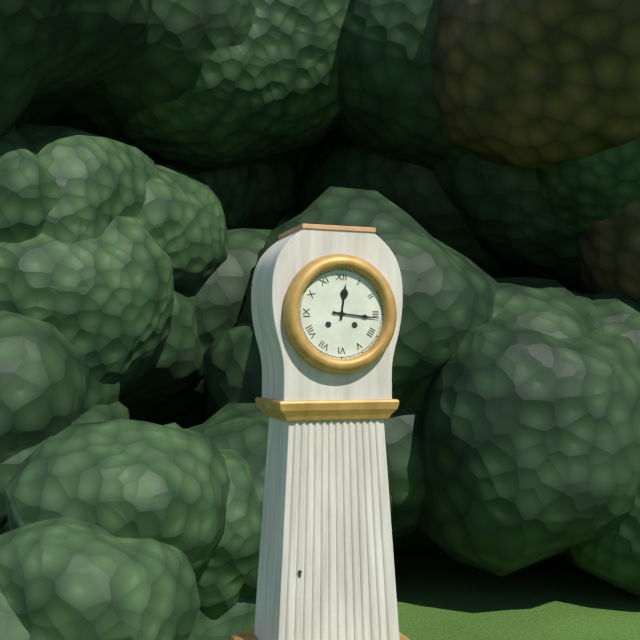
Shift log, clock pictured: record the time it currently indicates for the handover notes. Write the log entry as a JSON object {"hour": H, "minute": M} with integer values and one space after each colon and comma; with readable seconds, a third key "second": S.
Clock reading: {"hour": 12, "minute": 16}
